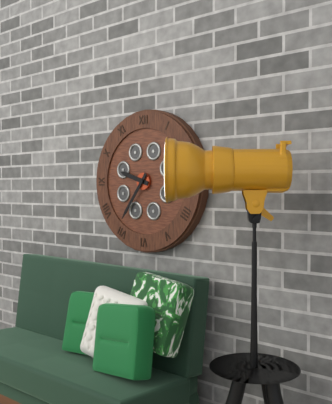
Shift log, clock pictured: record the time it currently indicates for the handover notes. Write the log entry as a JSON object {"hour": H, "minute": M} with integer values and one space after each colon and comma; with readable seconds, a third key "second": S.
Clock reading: {"hour": 9, "minute": 36}
